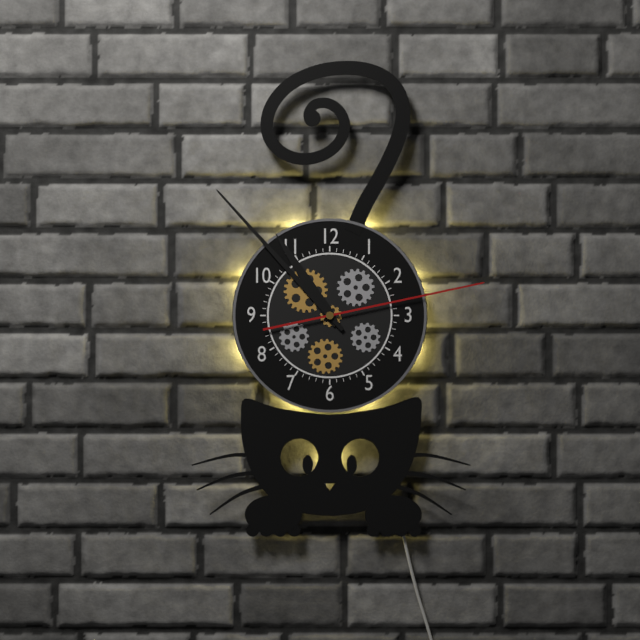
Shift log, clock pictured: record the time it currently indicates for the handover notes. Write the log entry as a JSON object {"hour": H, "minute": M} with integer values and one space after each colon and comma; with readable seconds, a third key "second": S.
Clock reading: {"hour": 10, "minute": 53, "second": 13}
